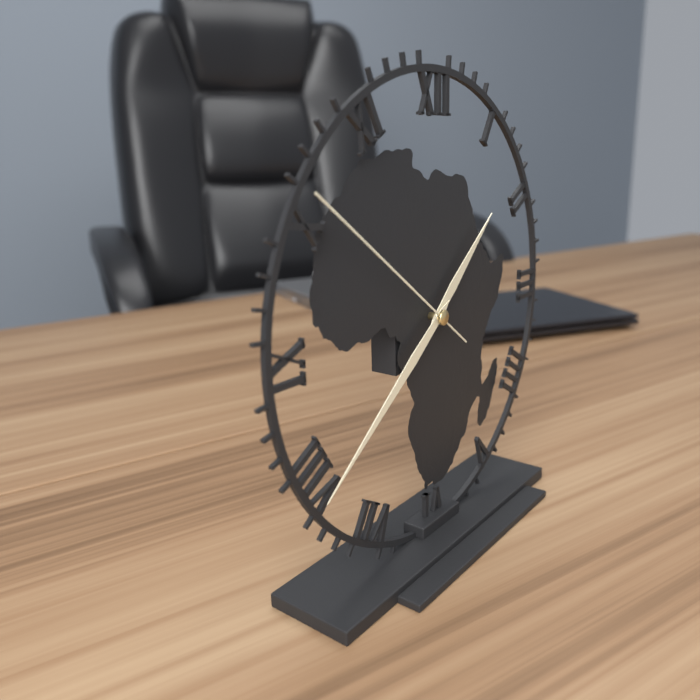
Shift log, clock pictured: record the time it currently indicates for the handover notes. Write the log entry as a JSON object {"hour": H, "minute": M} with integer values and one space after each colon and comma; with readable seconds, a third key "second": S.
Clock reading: {"hour": 1, "minute": 39, "second": 51}
